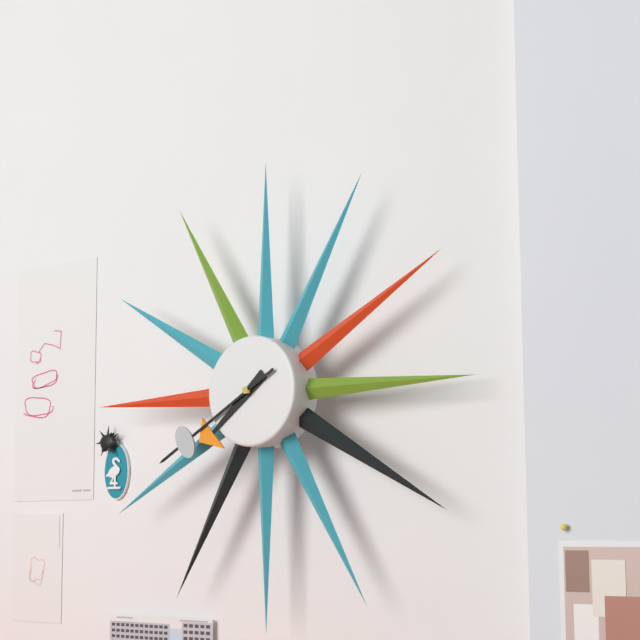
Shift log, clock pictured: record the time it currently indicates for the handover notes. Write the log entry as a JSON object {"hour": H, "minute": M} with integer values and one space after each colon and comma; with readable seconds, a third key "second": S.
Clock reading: {"hour": 7, "minute": 40}
